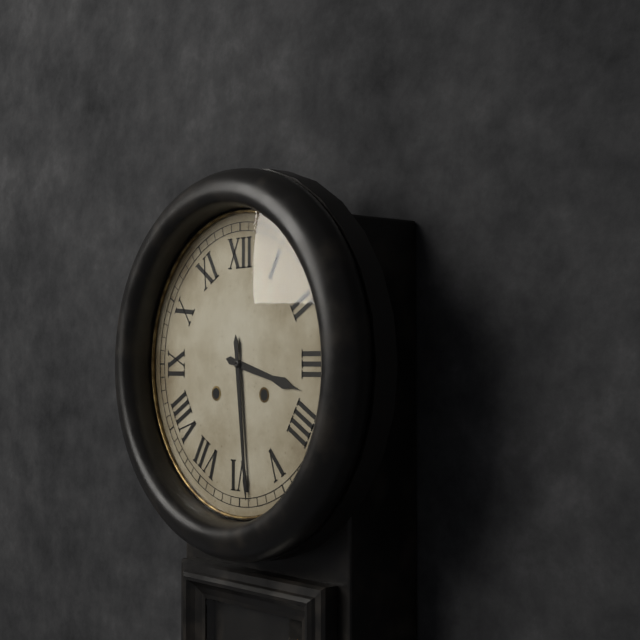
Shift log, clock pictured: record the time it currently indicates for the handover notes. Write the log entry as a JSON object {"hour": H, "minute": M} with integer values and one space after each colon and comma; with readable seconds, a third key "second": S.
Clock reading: {"hour": 3, "minute": 29}
